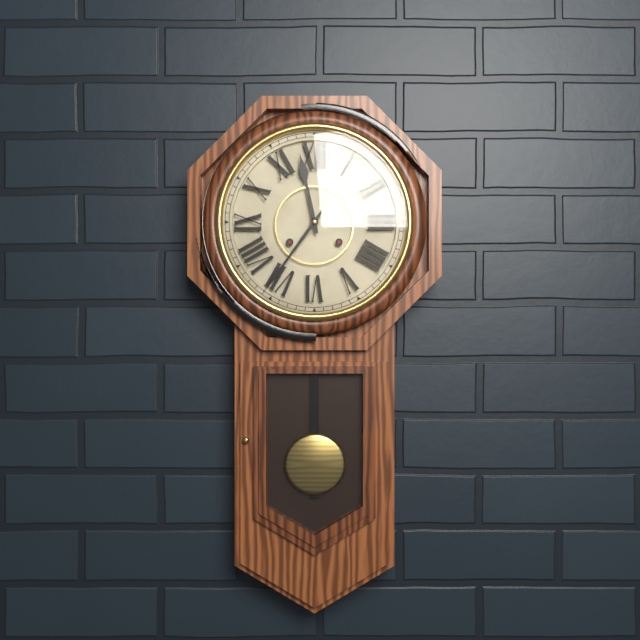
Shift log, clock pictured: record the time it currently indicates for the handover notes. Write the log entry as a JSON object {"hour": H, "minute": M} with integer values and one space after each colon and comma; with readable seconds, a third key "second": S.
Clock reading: {"hour": 11, "minute": 36}
